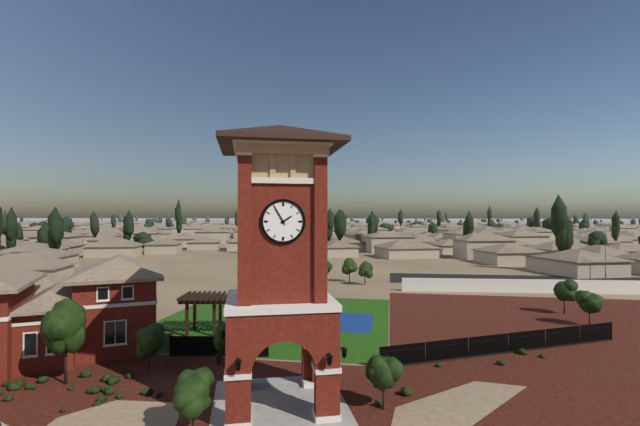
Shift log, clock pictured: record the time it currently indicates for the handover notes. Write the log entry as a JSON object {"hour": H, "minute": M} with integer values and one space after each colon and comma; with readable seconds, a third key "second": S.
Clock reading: {"hour": 1, "minute": 55}
